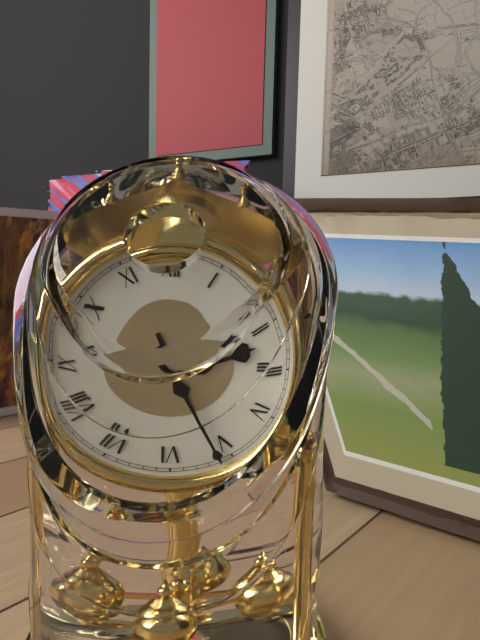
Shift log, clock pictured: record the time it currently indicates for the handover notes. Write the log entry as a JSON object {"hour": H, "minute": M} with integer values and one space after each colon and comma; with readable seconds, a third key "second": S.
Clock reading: {"hour": 2, "minute": 26}
